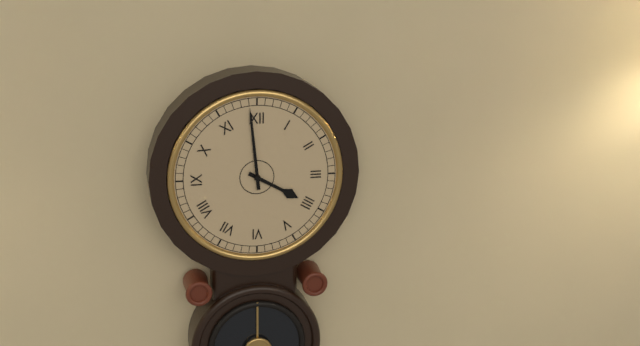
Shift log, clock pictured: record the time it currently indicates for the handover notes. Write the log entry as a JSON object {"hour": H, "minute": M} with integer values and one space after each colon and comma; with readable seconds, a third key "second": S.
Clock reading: {"hour": 3, "minute": 59}
